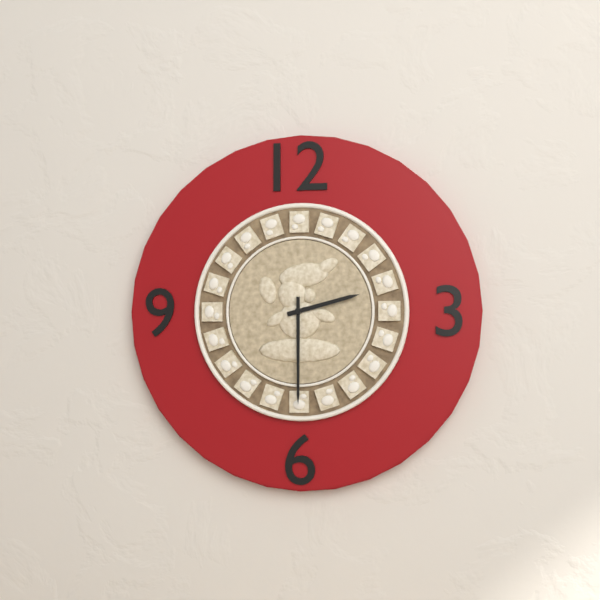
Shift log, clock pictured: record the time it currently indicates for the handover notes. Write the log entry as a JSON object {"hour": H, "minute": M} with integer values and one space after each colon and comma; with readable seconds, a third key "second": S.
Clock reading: {"hour": 2, "minute": 30}
